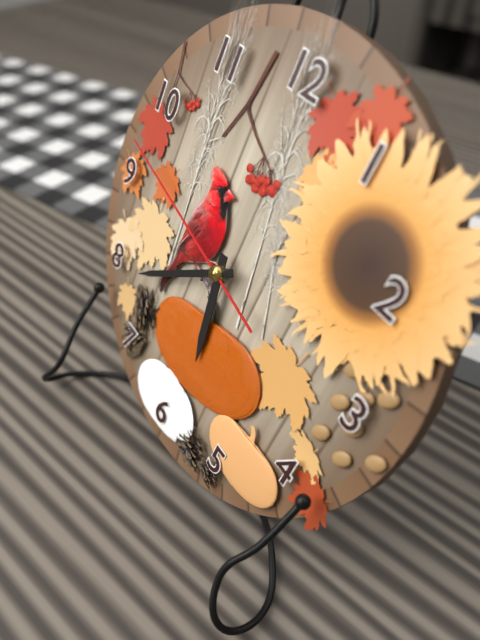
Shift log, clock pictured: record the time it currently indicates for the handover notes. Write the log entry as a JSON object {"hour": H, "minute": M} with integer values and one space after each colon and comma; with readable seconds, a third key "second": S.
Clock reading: {"hour": 5, "minute": 39, "second": 47}
